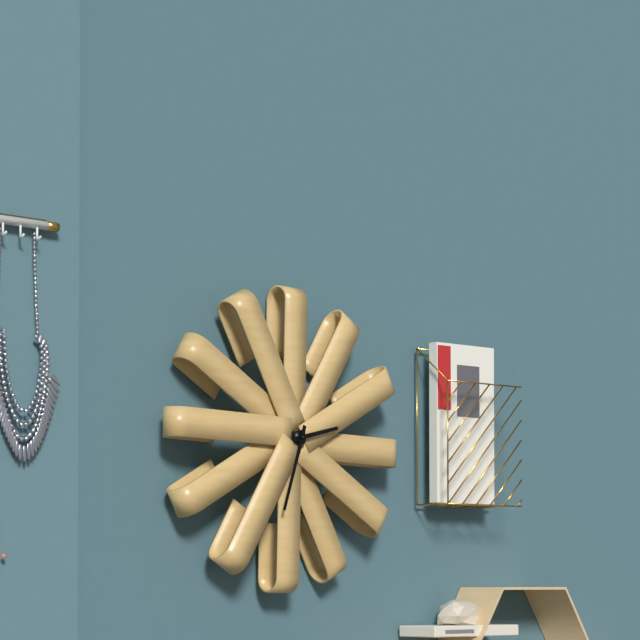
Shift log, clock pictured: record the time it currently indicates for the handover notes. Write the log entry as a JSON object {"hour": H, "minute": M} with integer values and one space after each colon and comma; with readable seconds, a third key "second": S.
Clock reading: {"hour": 2, "minute": 33}
